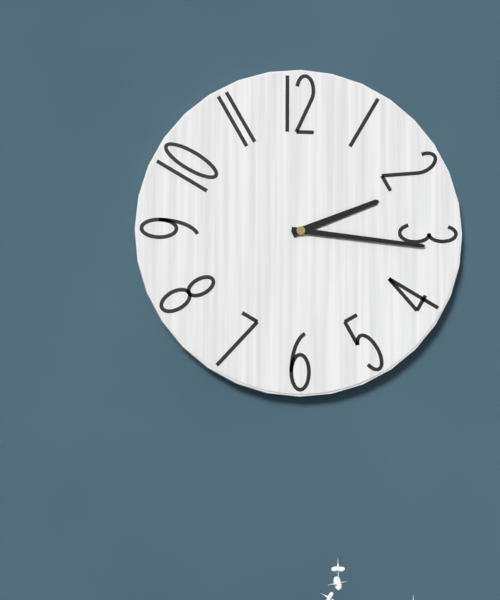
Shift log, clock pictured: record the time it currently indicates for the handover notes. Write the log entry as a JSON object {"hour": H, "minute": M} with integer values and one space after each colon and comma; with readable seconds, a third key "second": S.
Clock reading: {"hour": 2, "minute": 16}
